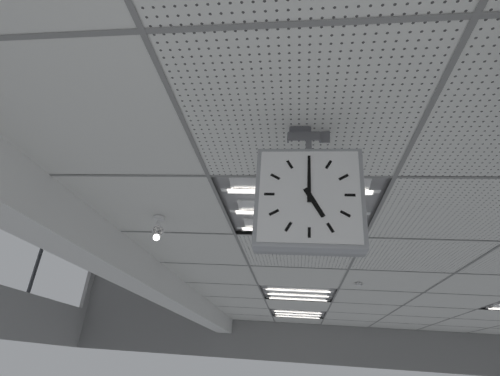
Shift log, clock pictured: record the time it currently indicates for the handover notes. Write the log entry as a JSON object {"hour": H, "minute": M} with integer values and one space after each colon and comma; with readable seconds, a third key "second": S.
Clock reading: {"hour": 5, "minute": 0}
